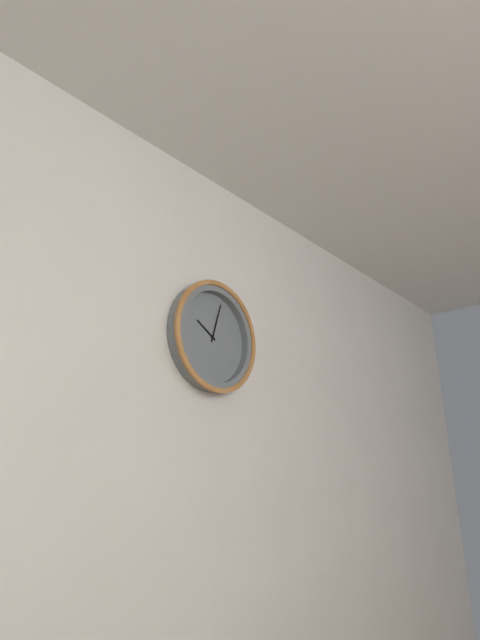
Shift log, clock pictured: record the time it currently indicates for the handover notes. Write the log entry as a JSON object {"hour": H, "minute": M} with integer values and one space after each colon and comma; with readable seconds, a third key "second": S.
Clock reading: {"hour": 10, "minute": 3}
